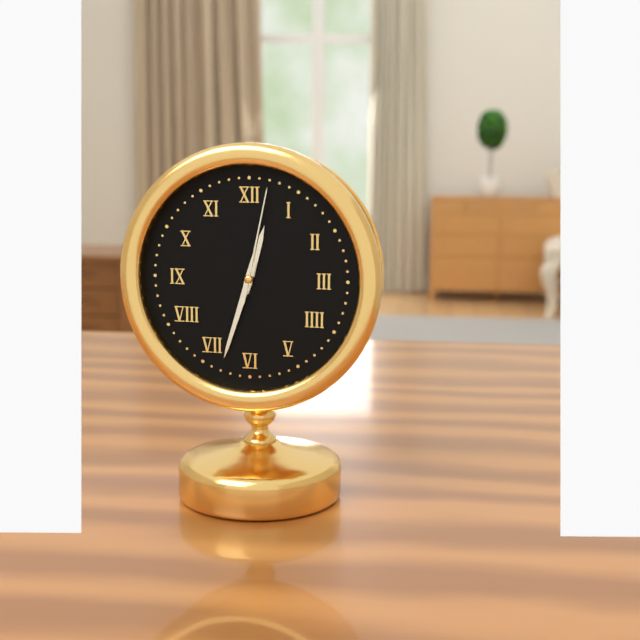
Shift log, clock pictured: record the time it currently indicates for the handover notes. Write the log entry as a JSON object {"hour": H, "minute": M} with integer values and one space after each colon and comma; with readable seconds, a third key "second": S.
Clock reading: {"hour": 12, "minute": 33, "second": 2}
